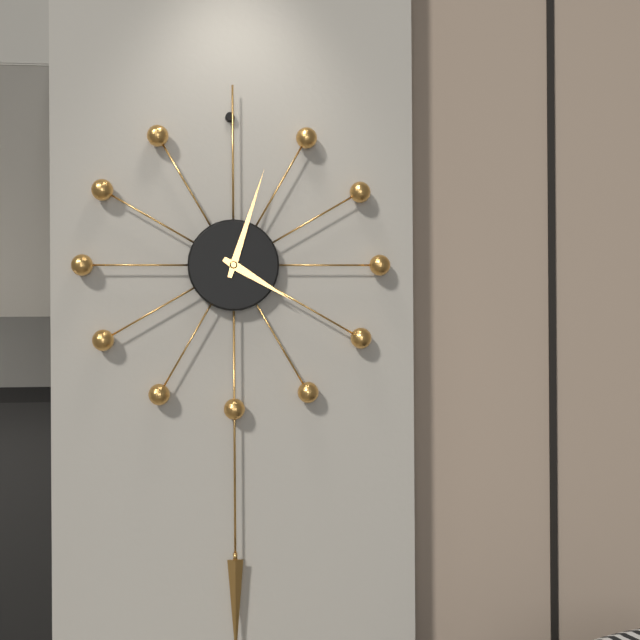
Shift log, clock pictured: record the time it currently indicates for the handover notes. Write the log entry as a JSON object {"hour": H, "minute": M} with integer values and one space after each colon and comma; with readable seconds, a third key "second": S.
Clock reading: {"hour": 4, "minute": 3}
